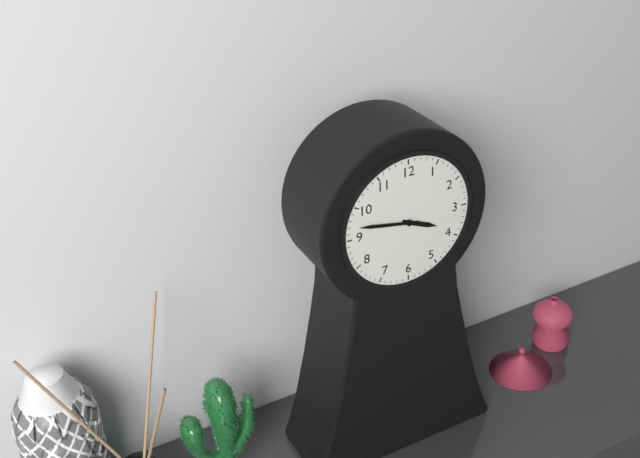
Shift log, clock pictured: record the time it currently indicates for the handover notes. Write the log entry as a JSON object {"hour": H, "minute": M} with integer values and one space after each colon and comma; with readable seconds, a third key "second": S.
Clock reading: {"hour": 3, "minute": 47}
